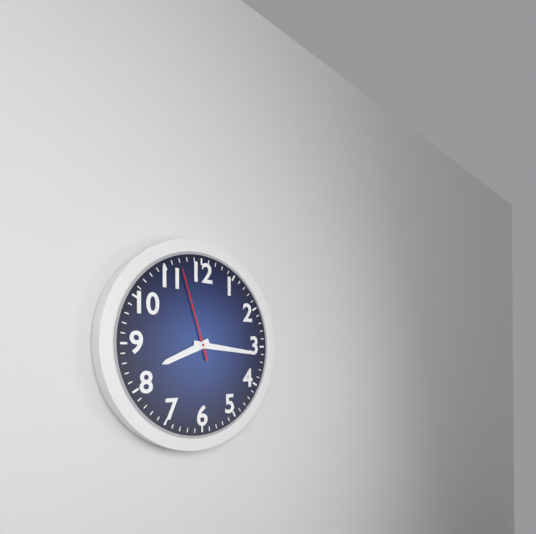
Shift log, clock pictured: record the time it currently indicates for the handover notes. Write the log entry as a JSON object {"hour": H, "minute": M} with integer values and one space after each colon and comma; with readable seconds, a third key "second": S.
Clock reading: {"hour": 8, "minute": 16, "second": 57}
